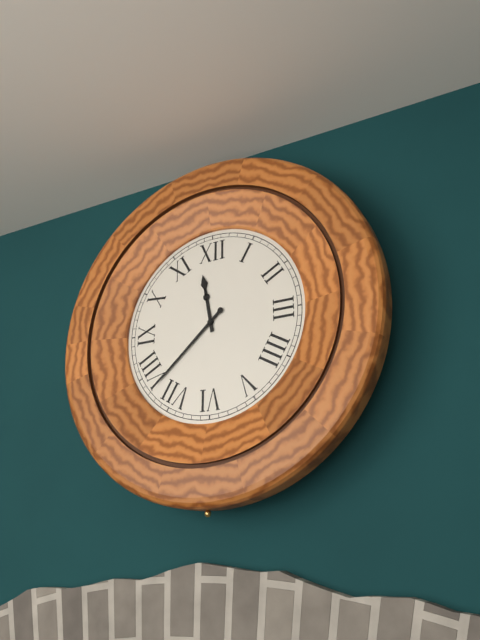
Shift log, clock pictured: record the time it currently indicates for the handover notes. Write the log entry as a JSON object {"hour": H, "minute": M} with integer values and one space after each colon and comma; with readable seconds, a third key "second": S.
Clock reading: {"hour": 11, "minute": 38}
